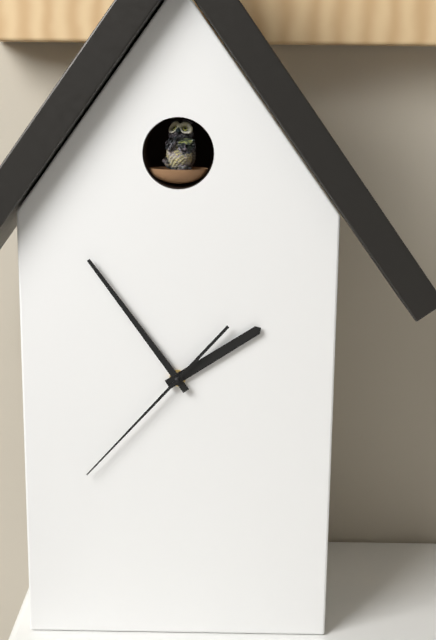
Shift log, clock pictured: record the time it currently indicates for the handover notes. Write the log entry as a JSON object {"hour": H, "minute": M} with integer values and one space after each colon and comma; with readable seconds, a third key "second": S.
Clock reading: {"hour": 1, "minute": 54, "second": 37}
